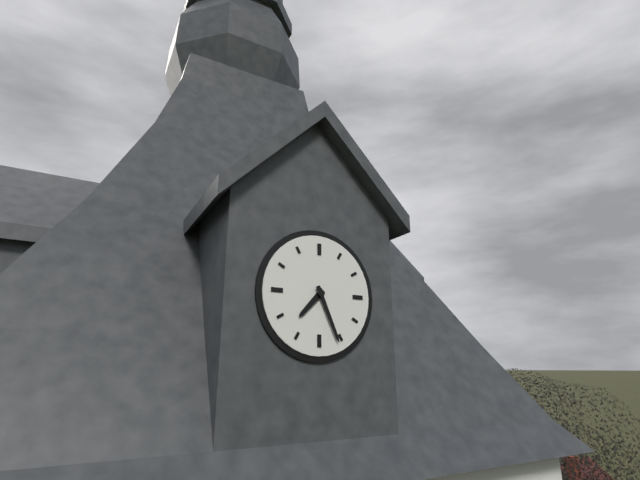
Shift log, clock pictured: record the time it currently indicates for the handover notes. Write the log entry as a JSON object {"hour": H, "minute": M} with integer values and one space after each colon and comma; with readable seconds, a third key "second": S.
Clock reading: {"hour": 7, "minute": 26}
